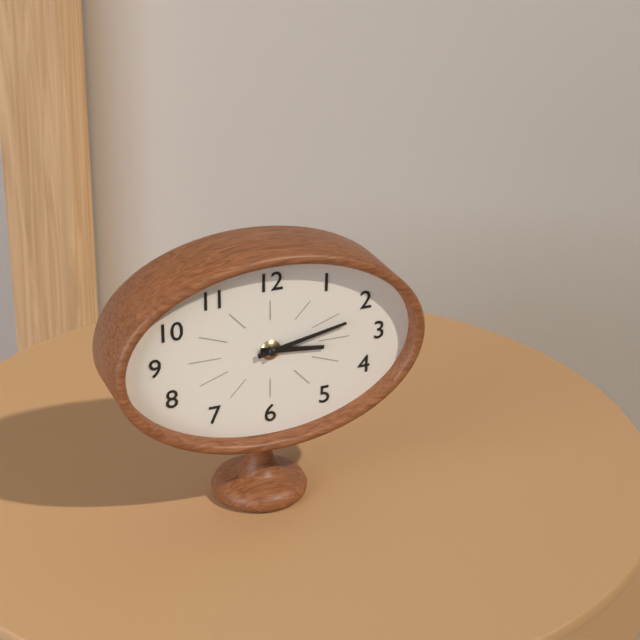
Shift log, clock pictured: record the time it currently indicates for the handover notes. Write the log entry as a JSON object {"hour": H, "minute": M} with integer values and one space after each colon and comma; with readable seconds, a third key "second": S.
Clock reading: {"hour": 3, "minute": 13}
